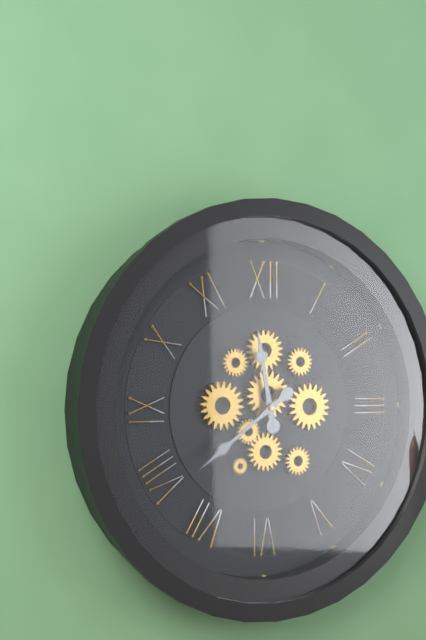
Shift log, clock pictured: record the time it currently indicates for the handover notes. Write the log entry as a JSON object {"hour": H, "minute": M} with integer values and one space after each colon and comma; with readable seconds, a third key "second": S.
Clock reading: {"hour": 11, "minute": 39}
